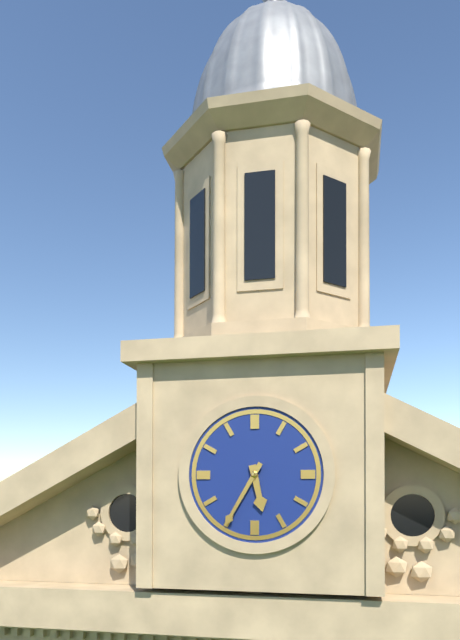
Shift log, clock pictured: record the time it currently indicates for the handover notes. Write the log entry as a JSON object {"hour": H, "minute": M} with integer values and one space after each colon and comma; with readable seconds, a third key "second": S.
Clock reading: {"hour": 5, "minute": 35}
